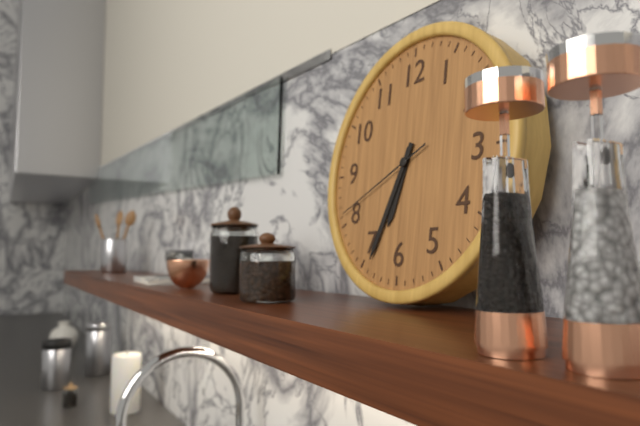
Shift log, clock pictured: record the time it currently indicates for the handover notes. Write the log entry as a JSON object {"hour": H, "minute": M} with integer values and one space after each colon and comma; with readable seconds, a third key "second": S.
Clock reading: {"hour": 6, "minute": 34, "second": 41}
